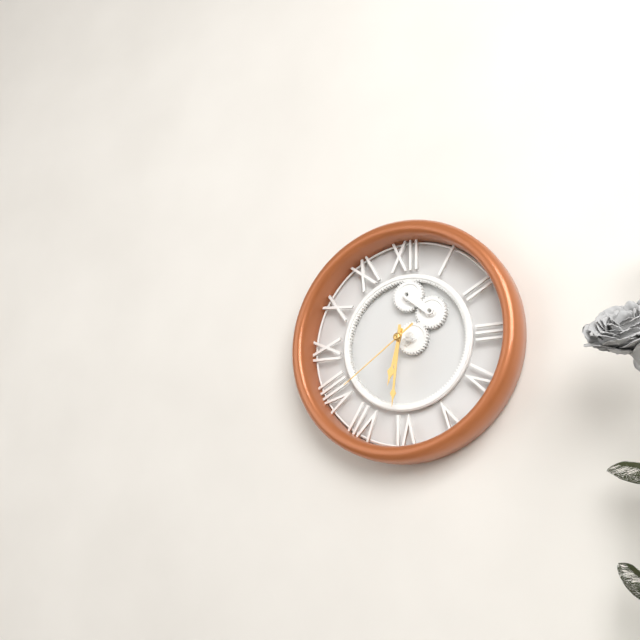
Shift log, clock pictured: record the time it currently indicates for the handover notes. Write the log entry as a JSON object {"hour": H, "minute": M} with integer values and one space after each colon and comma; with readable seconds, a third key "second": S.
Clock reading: {"hour": 6, "minute": 31, "second": 39}
